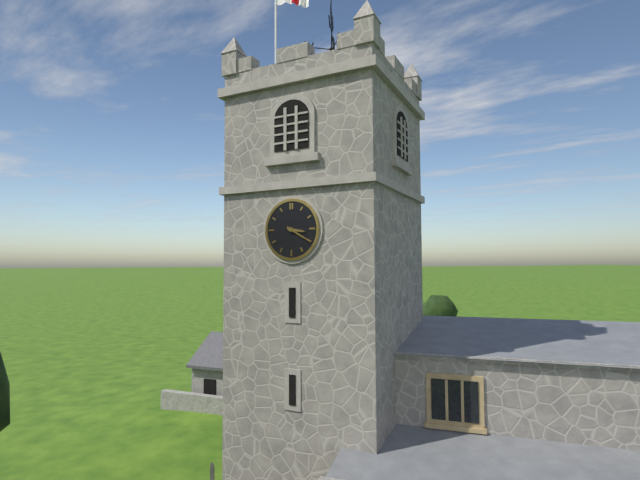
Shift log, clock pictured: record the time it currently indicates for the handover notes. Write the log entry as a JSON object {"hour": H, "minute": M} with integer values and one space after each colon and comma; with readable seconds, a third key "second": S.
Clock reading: {"hour": 3, "minute": 20}
